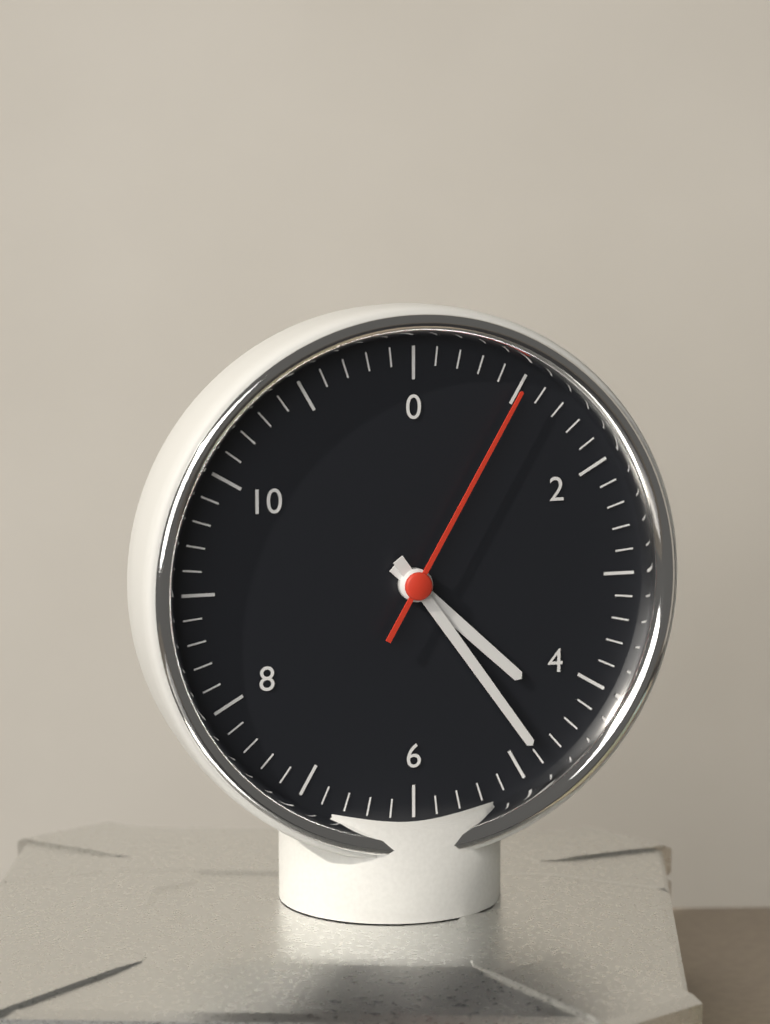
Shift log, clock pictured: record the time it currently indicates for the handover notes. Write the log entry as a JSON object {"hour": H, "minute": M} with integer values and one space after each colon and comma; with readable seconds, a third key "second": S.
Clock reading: {"hour": 4, "minute": 24, "second": 5}
